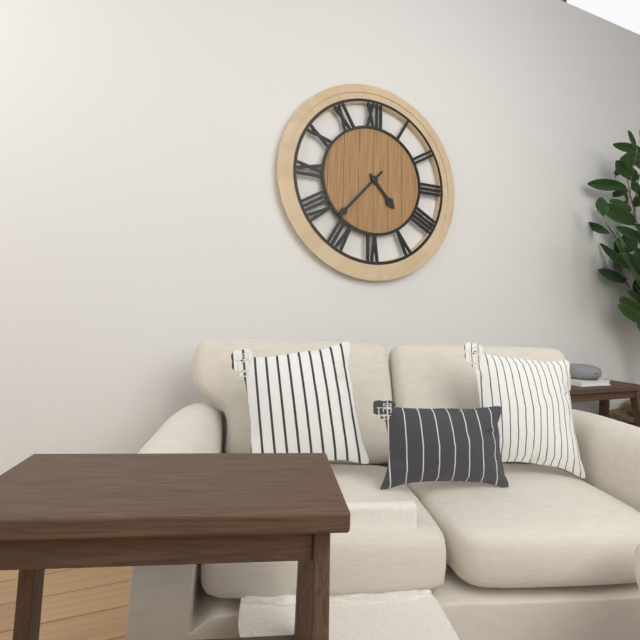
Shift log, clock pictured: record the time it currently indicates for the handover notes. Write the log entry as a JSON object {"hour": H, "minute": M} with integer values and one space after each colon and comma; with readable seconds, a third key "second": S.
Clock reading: {"hour": 4, "minute": 37}
